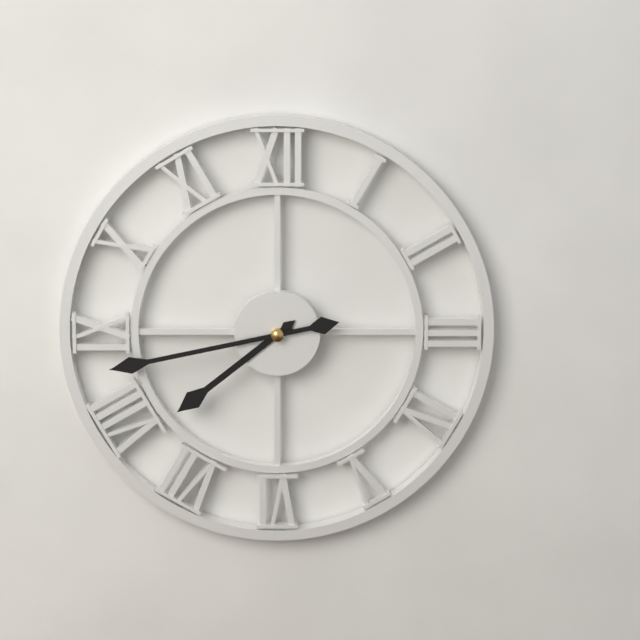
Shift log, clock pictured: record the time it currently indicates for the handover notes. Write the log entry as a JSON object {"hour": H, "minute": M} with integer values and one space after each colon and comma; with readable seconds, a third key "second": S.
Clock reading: {"hour": 7, "minute": 43}
